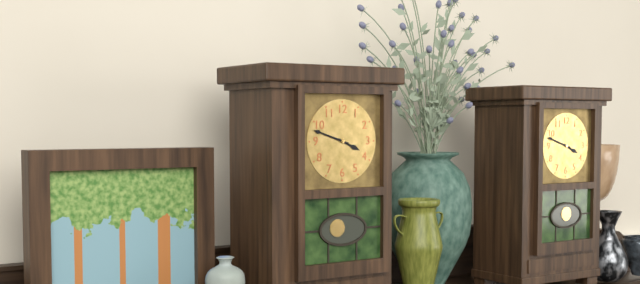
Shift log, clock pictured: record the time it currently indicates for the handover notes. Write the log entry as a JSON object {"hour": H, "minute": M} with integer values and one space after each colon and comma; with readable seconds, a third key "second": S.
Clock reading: {"hour": 3, "minute": 48}
